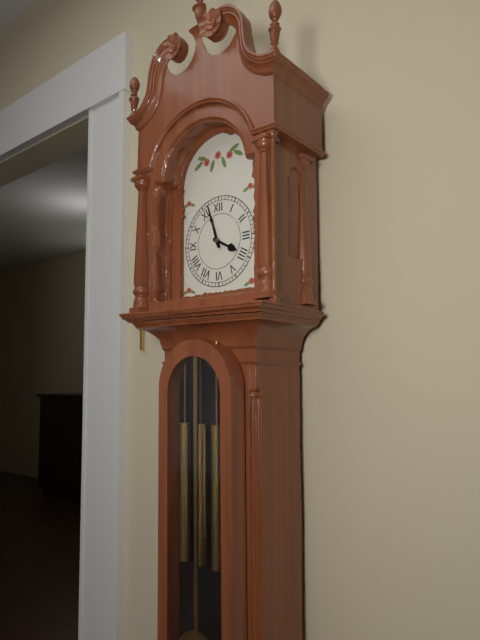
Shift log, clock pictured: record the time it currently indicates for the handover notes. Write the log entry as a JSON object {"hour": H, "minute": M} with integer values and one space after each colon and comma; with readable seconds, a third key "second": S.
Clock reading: {"hour": 3, "minute": 57}
